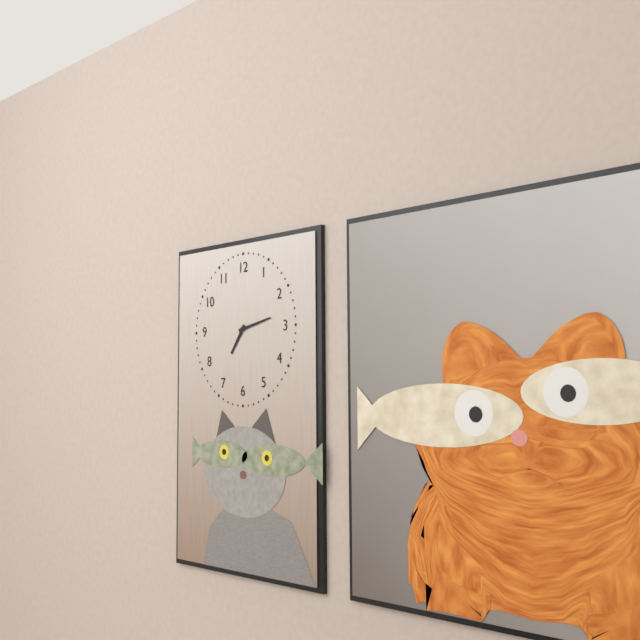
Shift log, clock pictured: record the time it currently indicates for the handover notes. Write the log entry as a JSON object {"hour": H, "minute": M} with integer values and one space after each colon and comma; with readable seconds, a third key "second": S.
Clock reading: {"hour": 7, "minute": 13}
